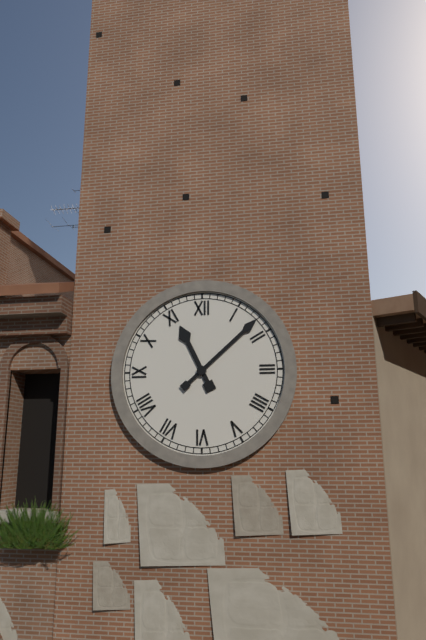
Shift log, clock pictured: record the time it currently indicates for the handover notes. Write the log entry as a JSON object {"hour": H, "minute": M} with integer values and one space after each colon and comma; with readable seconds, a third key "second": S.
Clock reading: {"hour": 11, "minute": 8}
